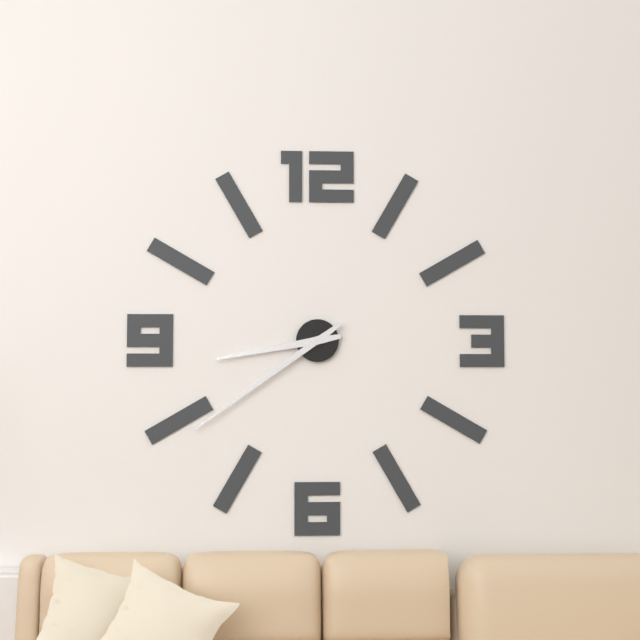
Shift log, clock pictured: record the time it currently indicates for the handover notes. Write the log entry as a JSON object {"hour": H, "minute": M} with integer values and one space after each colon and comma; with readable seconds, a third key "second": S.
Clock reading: {"hour": 8, "minute": 39}
